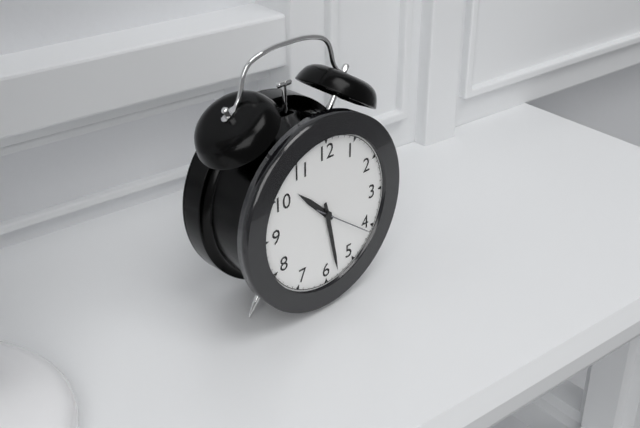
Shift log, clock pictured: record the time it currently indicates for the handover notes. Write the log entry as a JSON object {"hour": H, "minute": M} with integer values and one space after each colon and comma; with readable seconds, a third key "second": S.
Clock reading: {"hour": 10, "minute": 28, "second": 21}
